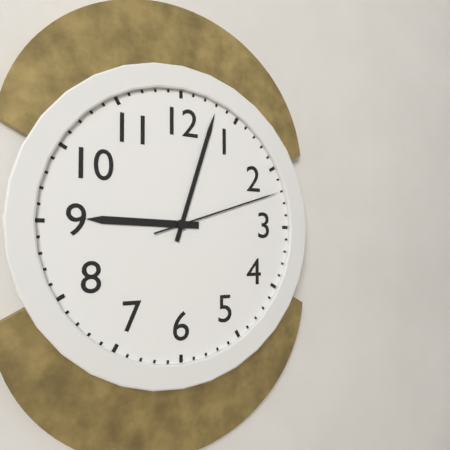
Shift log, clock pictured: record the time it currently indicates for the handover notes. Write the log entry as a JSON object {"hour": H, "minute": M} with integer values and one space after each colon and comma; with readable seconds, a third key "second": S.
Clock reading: {"hour": 9, "minute": 3, "second": 12}
